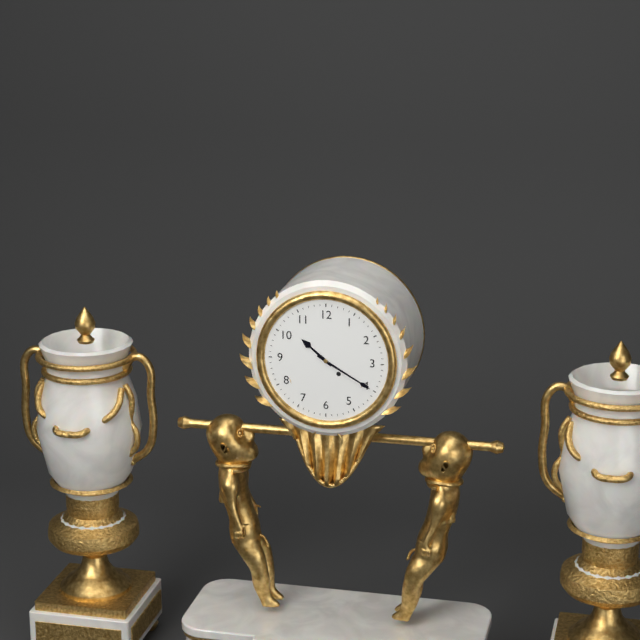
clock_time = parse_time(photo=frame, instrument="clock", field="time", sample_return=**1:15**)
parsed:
**10:20**
